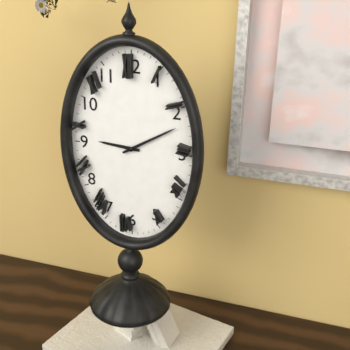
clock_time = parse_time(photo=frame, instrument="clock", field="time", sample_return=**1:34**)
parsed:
**9:10**
